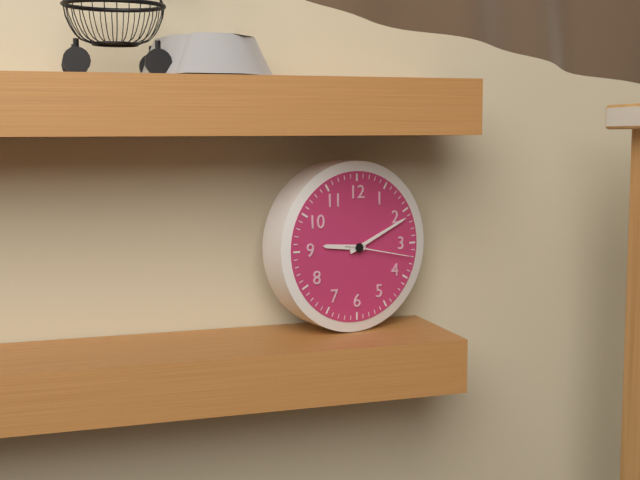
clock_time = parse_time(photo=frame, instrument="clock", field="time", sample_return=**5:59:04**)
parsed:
**9:11:17**
